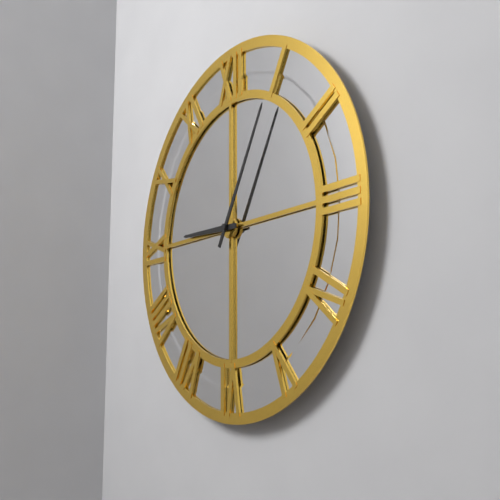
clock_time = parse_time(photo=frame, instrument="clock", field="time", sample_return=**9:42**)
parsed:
**9:05**
